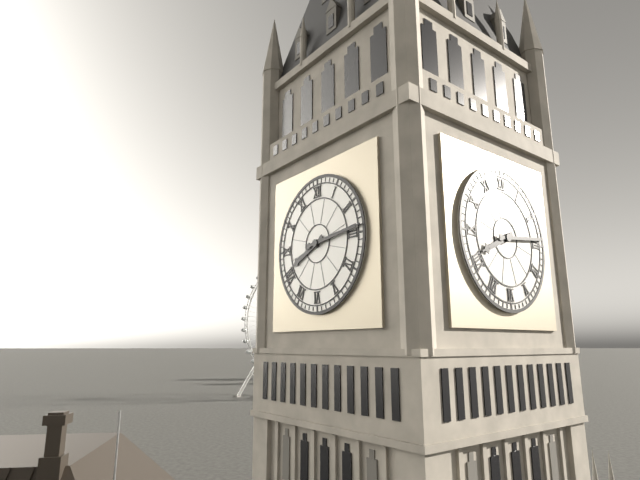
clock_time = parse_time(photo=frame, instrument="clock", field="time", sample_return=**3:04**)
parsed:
**8:14**
